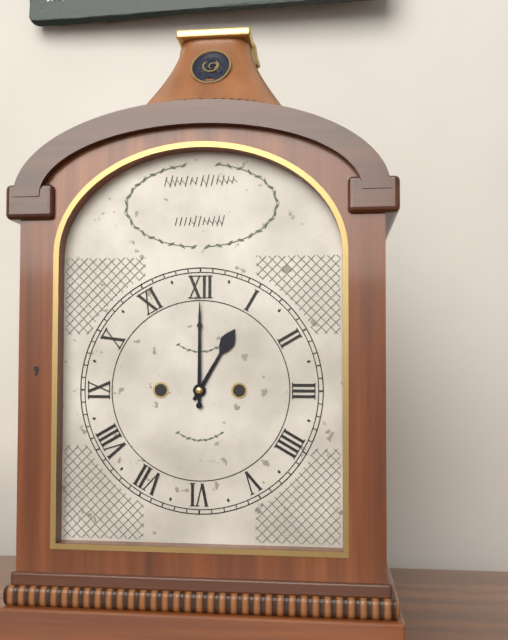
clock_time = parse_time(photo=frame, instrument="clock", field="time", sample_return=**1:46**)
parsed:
**1:00**
